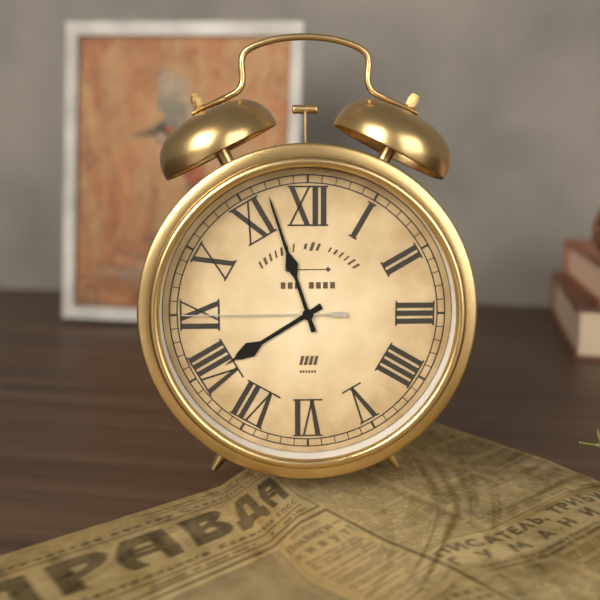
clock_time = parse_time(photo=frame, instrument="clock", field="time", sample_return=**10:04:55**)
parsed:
**7:57:45**
